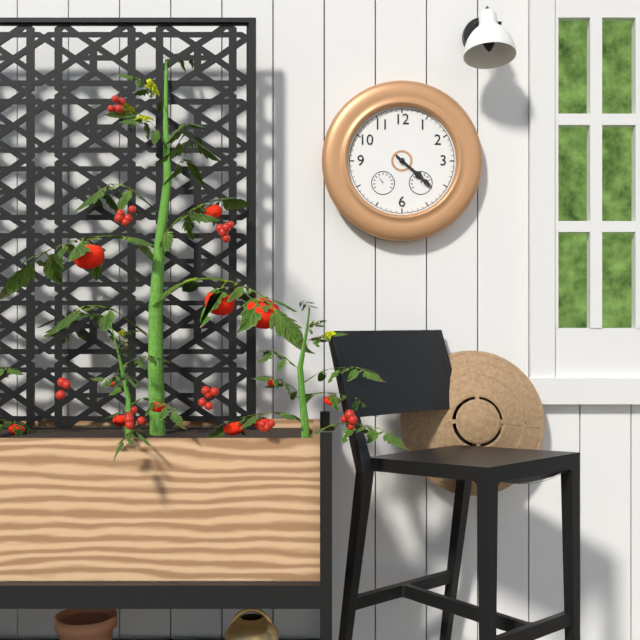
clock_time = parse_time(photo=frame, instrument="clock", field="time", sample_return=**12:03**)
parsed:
**4:22**
